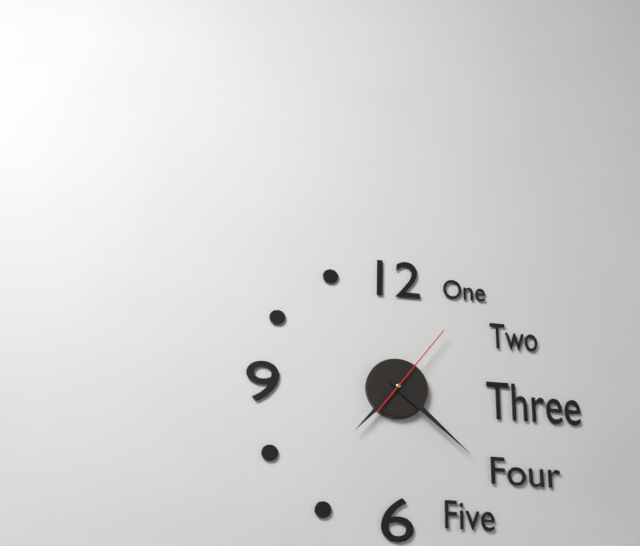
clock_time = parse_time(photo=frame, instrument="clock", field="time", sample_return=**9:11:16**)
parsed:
**7:22:06**
